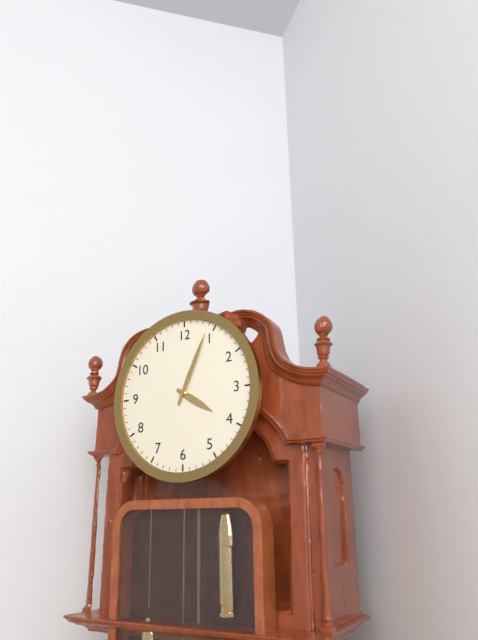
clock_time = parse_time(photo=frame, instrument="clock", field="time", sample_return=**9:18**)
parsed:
**4:04**
